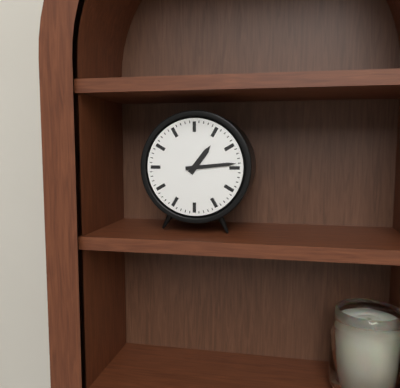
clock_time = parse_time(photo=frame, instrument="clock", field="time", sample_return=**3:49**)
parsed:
**1:14**
